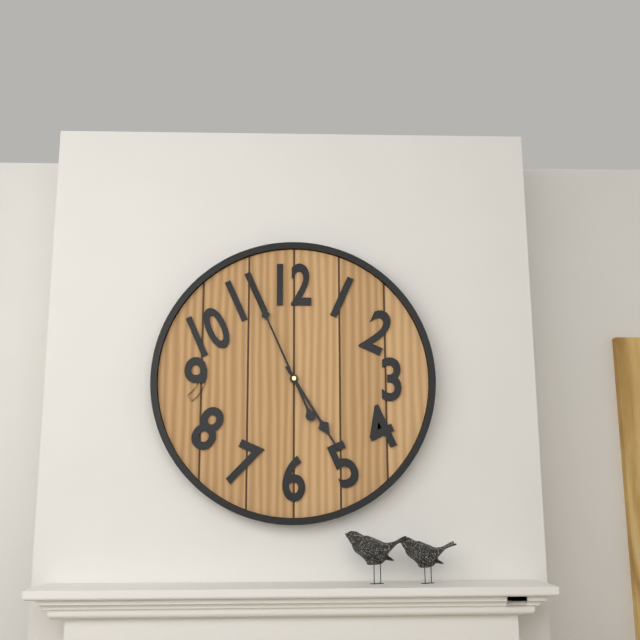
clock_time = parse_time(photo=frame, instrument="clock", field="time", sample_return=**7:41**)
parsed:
**4:56**
